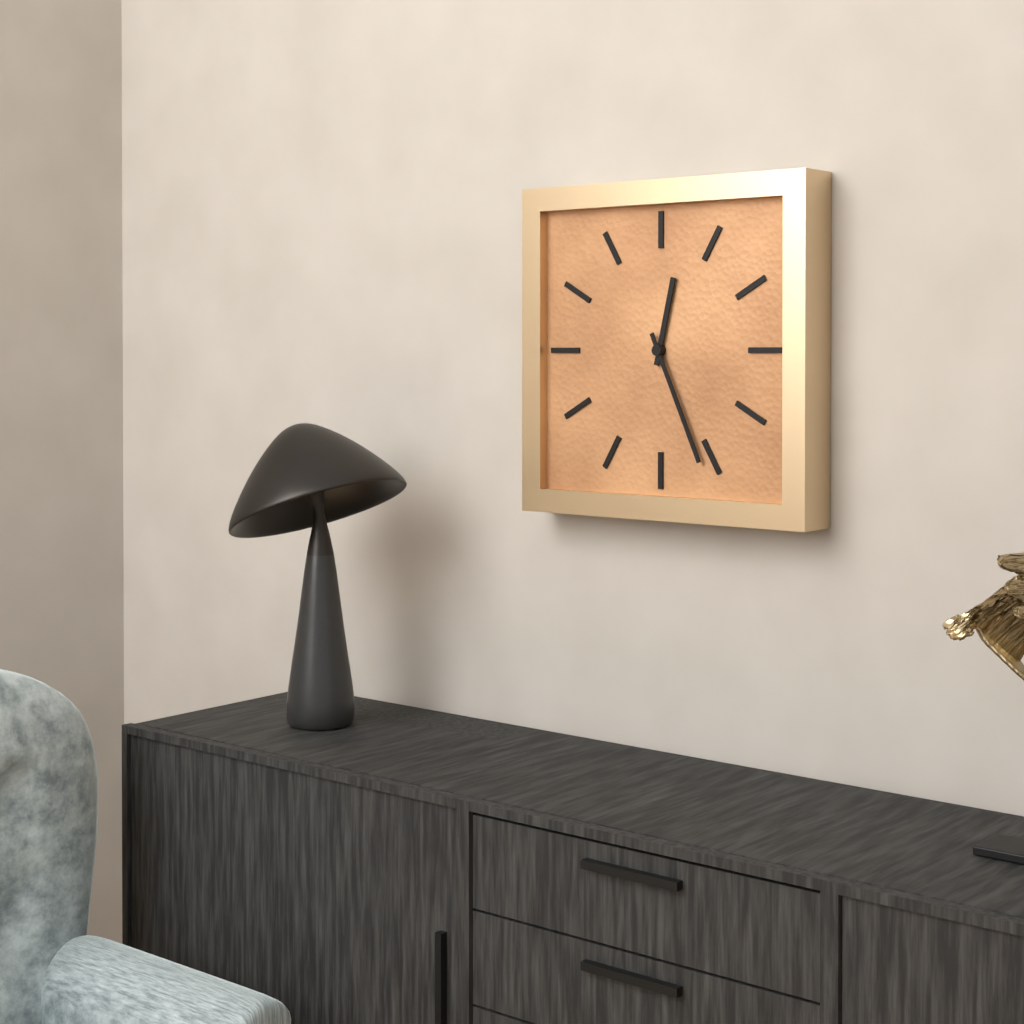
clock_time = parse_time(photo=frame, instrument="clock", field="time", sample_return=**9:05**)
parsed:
**12:26**
